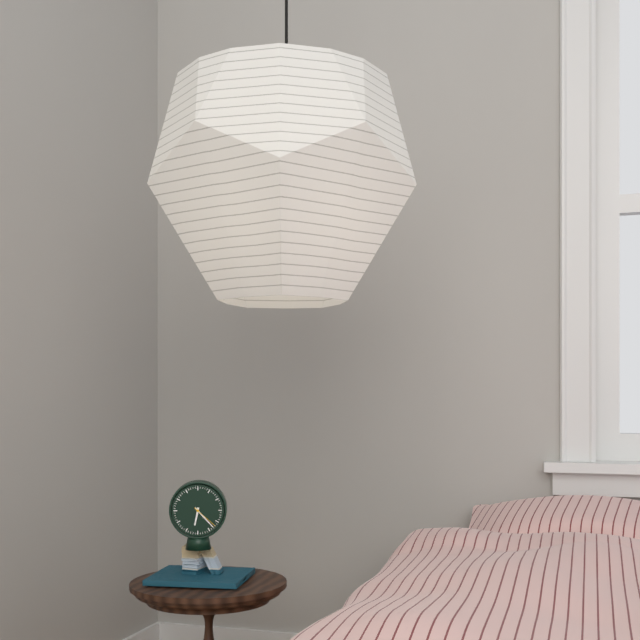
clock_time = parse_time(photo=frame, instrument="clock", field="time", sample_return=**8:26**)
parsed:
**6:23**
